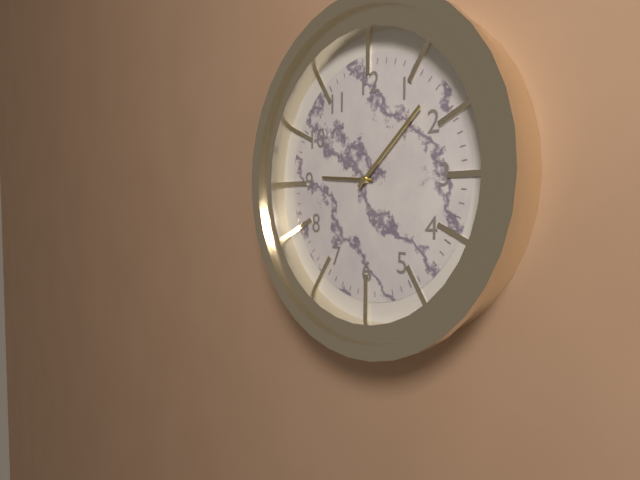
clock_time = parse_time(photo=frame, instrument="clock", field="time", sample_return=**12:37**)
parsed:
**9:08**
